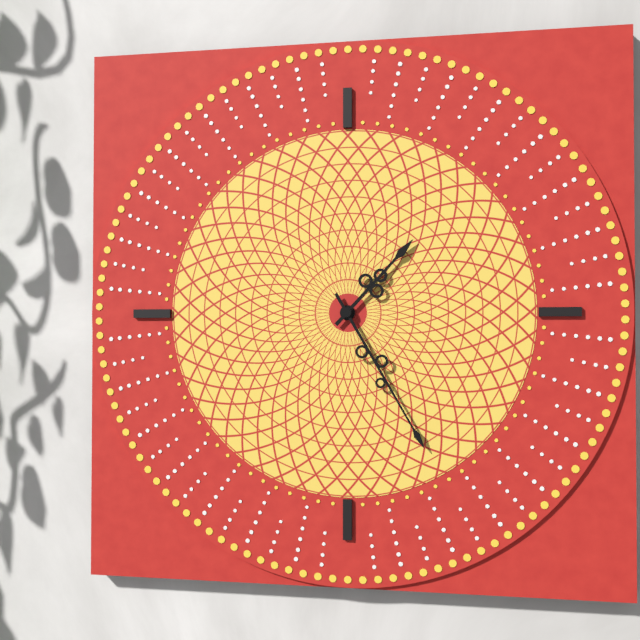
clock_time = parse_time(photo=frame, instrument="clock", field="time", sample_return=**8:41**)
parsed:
**1:25**
